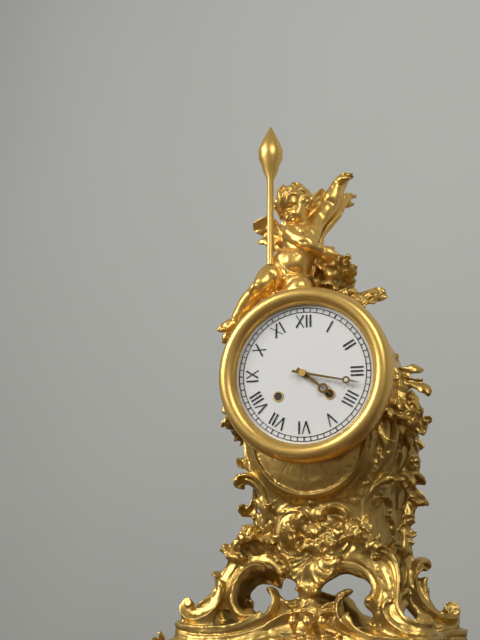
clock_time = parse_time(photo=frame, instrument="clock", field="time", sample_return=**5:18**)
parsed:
**4:17**
